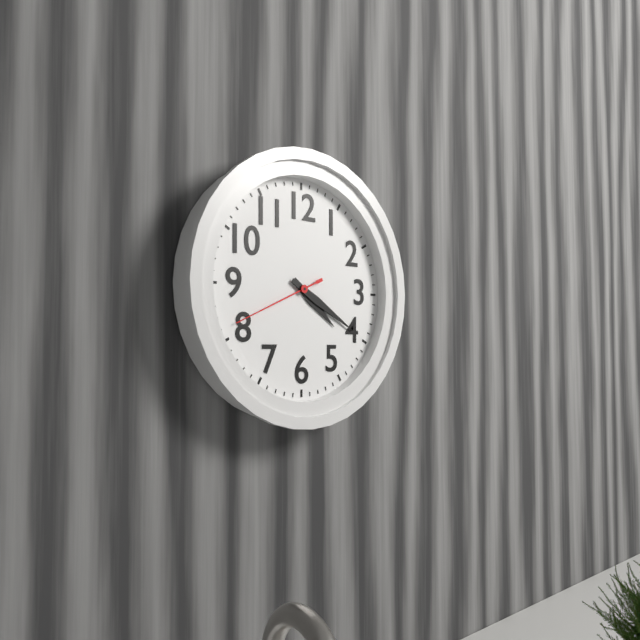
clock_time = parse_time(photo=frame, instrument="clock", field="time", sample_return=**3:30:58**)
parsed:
**4:20:41**
